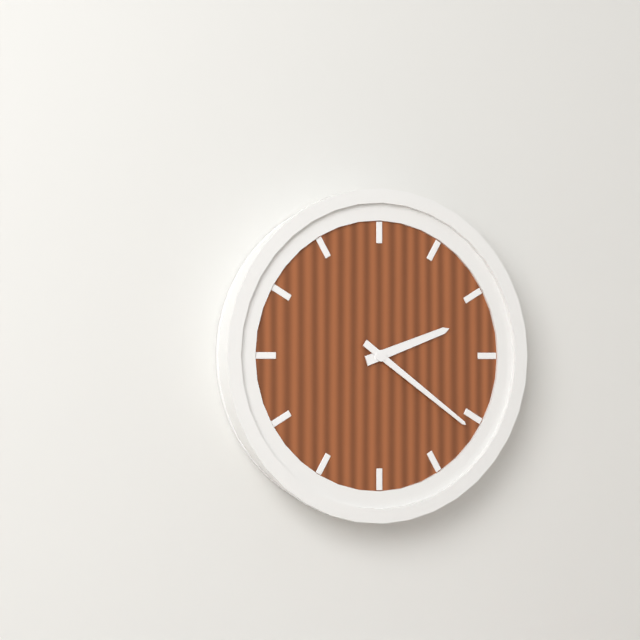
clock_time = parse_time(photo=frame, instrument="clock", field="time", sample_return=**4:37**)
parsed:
**2:21**
